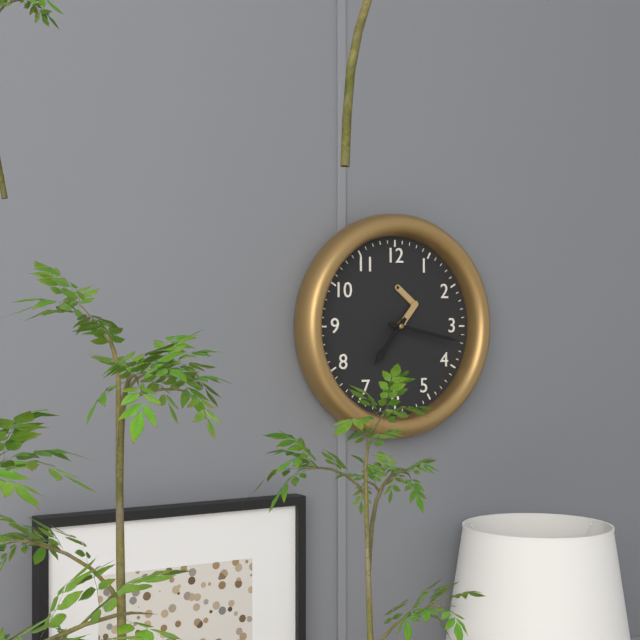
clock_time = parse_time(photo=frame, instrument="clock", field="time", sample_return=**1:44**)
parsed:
**7:17**
